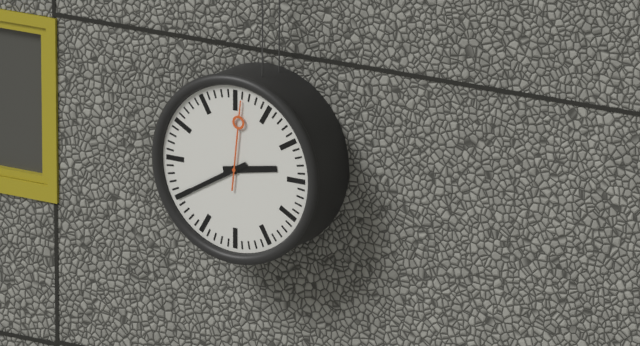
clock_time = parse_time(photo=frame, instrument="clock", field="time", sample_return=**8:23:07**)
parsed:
**2:40:01**
